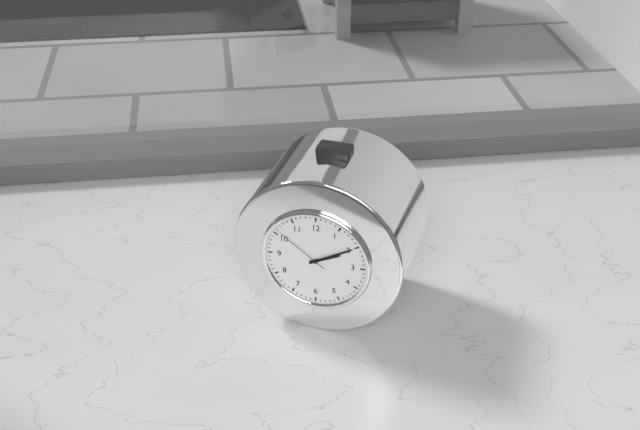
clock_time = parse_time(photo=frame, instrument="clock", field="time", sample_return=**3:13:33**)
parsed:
**2:10:51**
